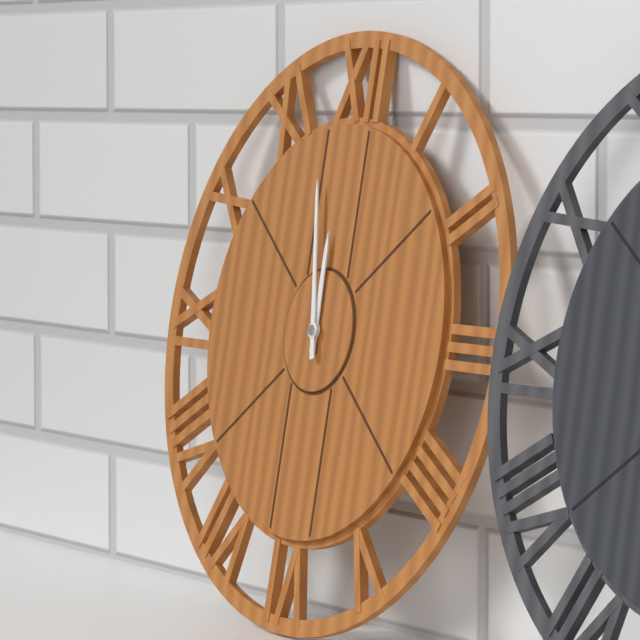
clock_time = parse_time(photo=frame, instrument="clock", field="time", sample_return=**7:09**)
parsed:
**11:58**
